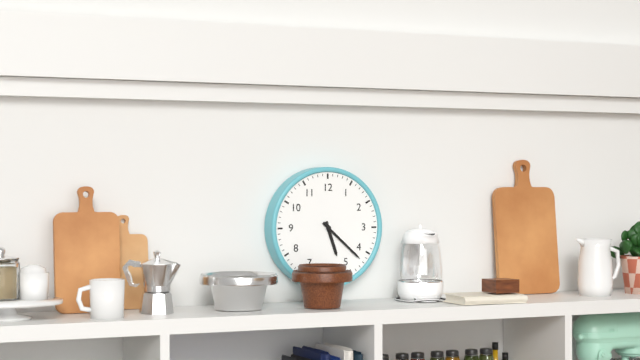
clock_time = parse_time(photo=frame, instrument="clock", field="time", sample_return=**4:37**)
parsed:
**5:22**
